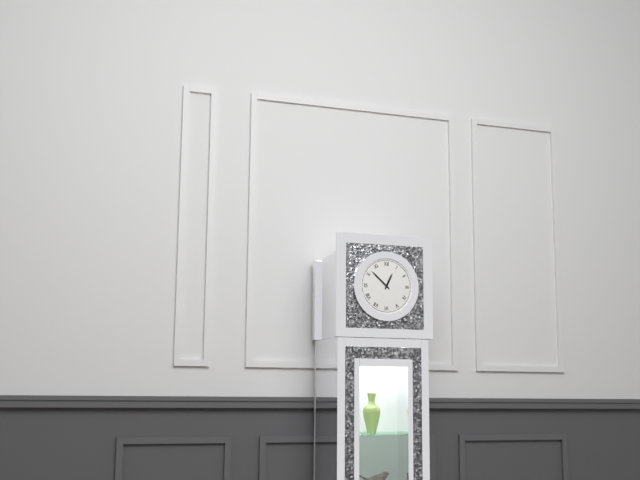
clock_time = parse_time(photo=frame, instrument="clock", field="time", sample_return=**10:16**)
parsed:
**12:52**
